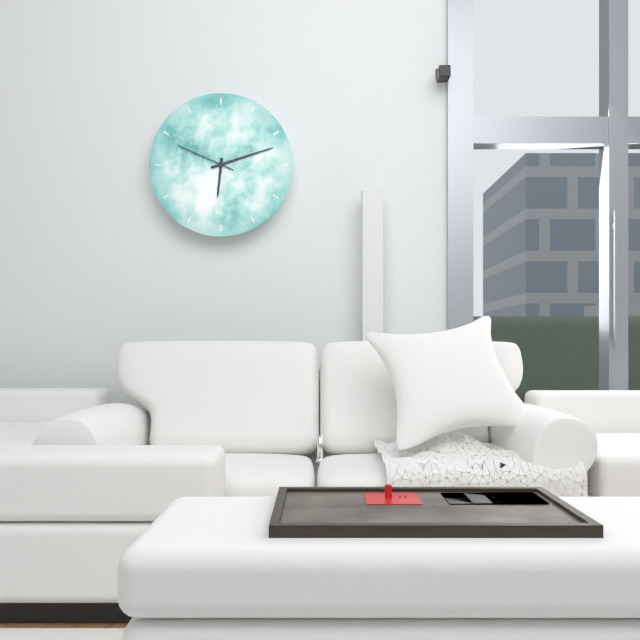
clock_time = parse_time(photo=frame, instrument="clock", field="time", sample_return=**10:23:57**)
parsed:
**6:12:49**
